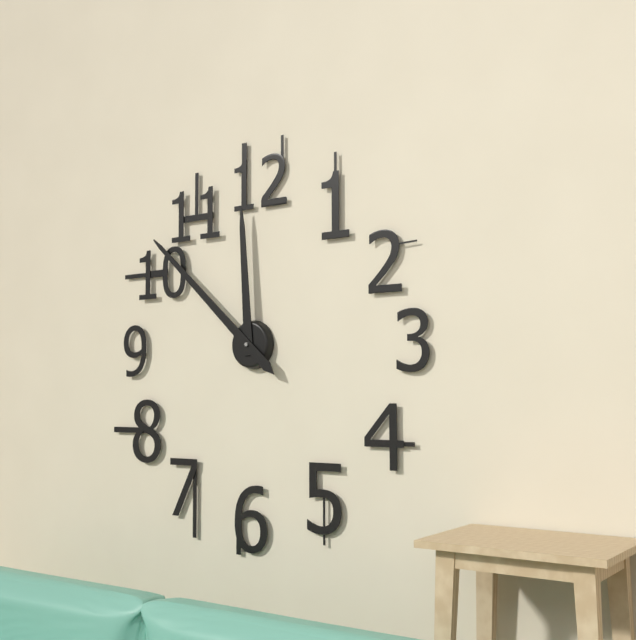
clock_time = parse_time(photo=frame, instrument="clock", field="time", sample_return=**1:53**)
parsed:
**11:52**
